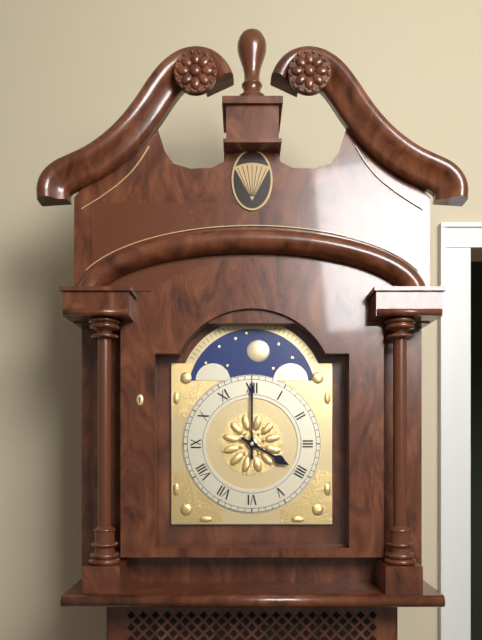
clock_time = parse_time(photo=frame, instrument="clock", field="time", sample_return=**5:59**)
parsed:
**4:00**
